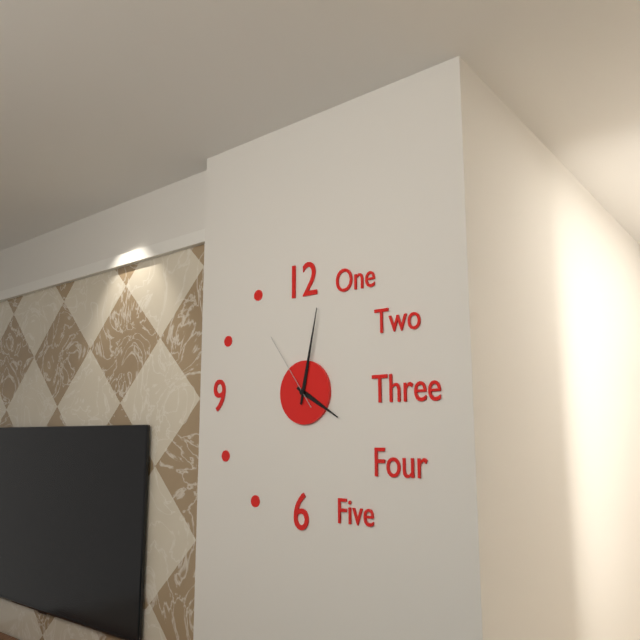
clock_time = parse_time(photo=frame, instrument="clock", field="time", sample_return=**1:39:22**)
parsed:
**4:02:54**
